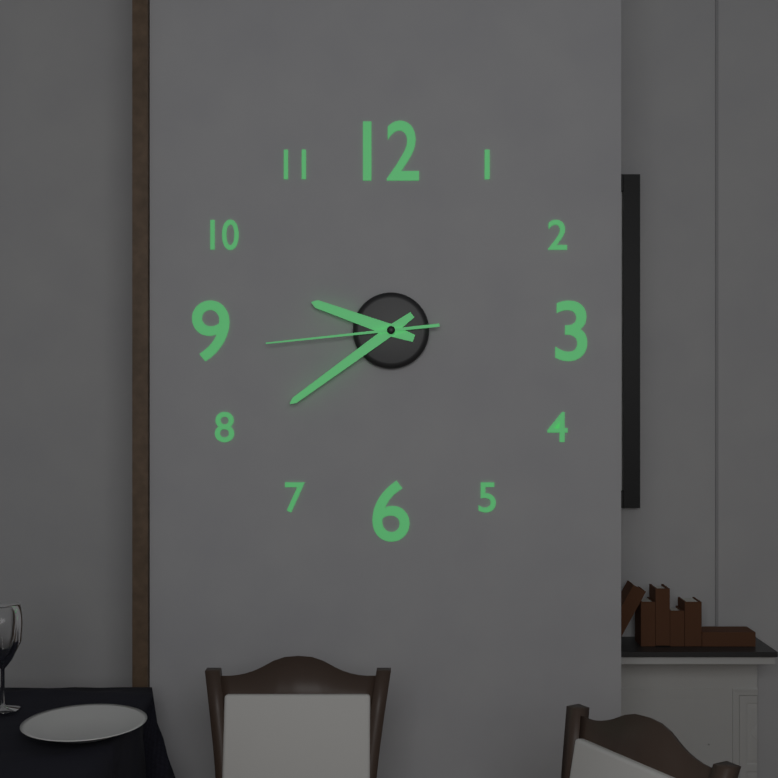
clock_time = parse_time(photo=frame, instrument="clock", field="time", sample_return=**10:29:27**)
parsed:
**9:39:44**
